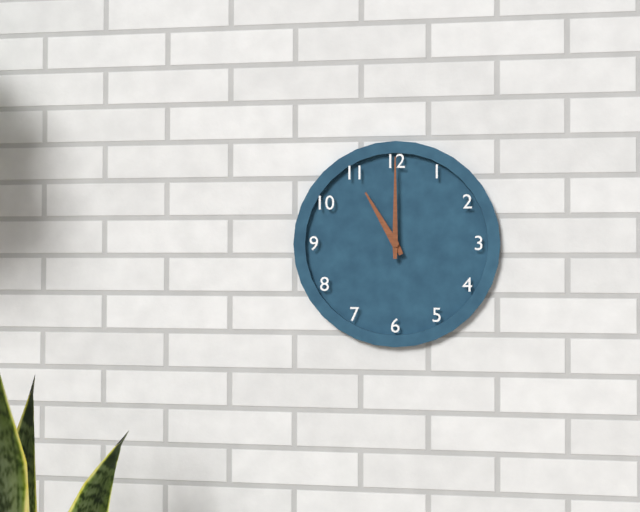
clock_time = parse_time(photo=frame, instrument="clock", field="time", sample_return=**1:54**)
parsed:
**11:00**
